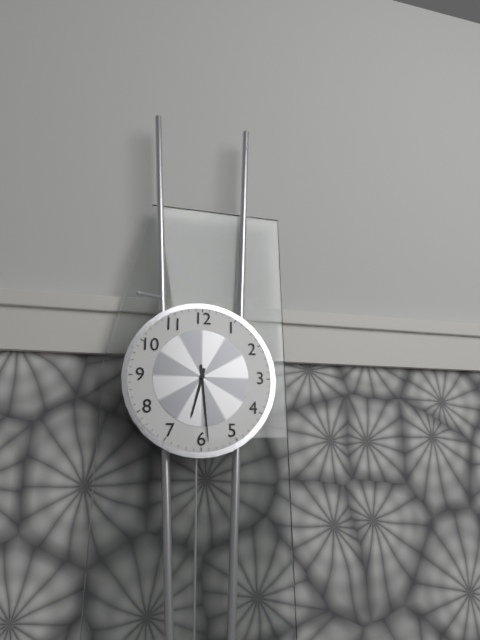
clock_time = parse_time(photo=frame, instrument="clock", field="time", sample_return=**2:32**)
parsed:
**6:29**
